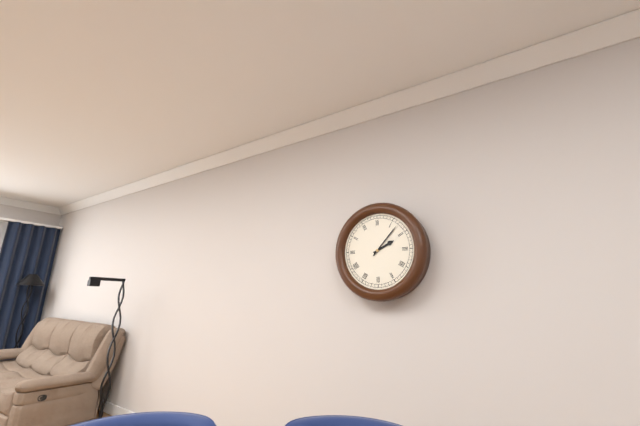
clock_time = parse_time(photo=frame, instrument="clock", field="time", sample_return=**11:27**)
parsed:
**2:07**
